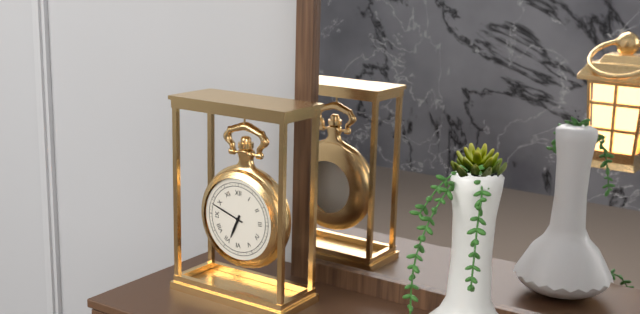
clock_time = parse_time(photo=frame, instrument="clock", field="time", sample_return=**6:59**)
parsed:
**6:48**
